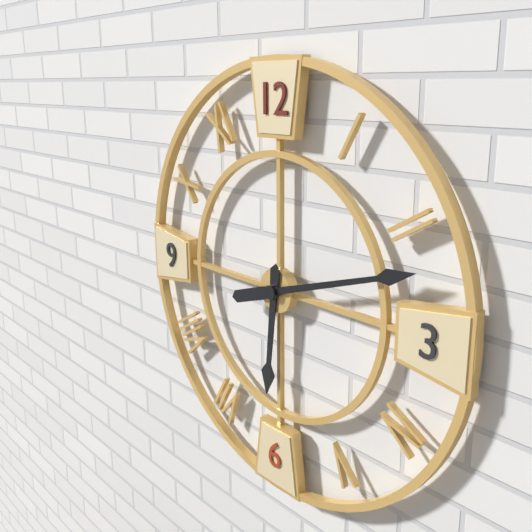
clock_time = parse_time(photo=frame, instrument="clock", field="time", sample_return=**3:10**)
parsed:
**6:12**
